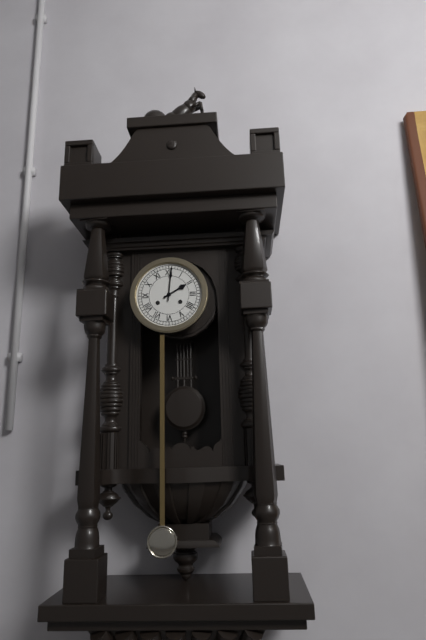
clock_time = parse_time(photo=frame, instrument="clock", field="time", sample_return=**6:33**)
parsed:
**2:01**
